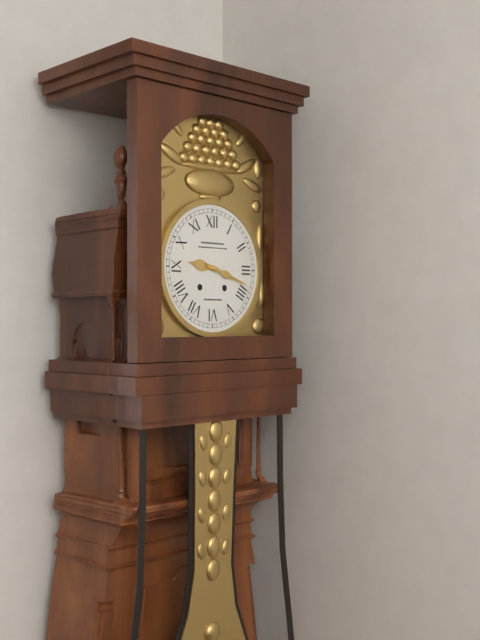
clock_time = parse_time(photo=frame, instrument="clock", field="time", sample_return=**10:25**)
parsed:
**9:18**
